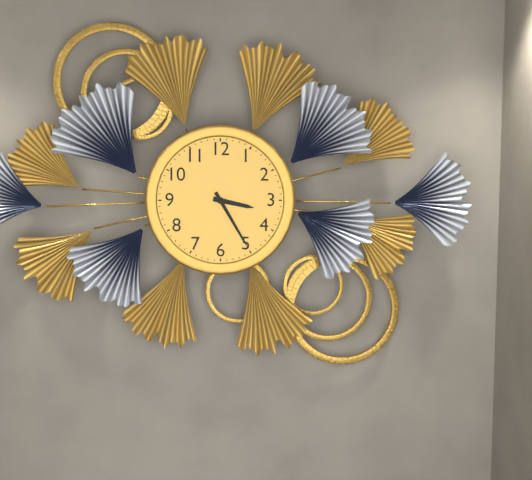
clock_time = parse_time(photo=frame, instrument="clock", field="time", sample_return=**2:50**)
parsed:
**3:25**
